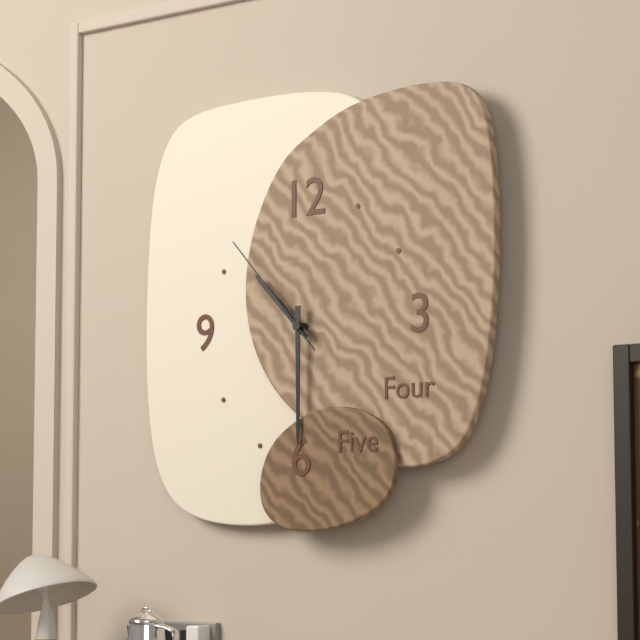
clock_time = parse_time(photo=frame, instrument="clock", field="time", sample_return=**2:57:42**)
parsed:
**10:30:53**
